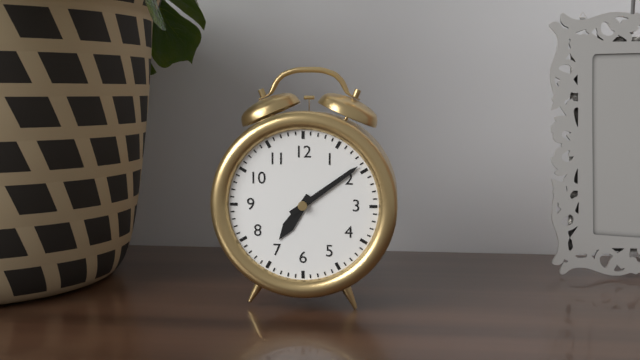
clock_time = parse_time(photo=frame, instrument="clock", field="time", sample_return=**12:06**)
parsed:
**7:09**
